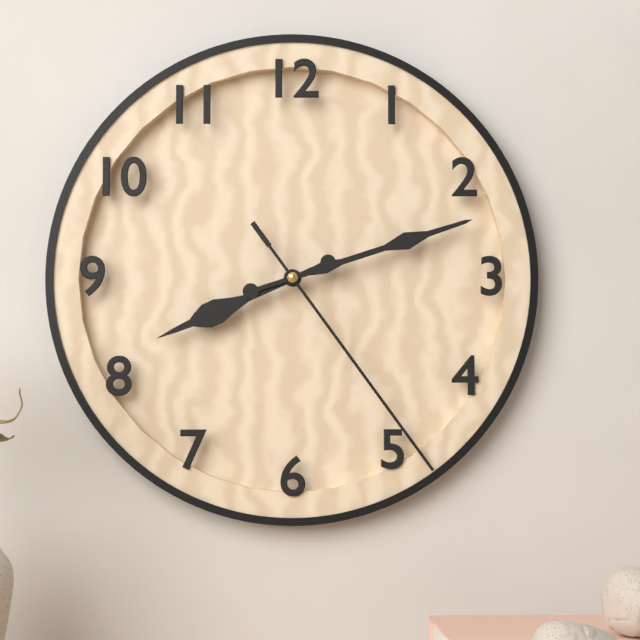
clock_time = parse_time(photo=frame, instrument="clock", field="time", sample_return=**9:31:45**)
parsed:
**8:12:24**
